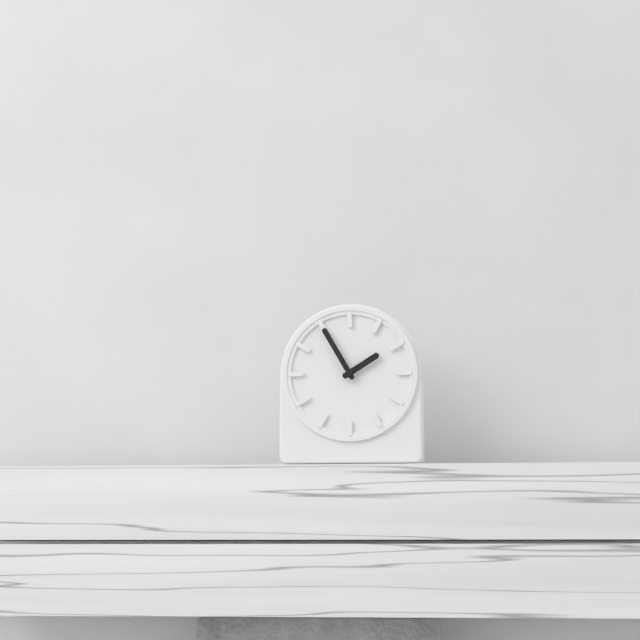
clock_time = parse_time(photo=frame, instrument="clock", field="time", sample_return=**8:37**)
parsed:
**1:55**
